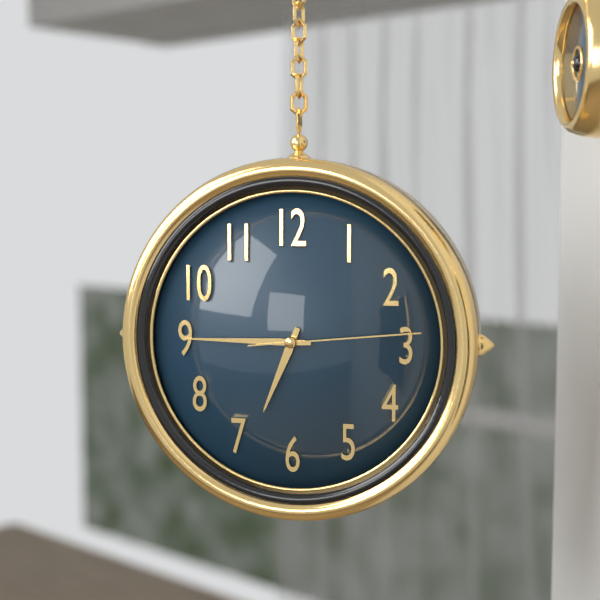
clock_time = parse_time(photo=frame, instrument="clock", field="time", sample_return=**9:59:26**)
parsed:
**6:45:14**
